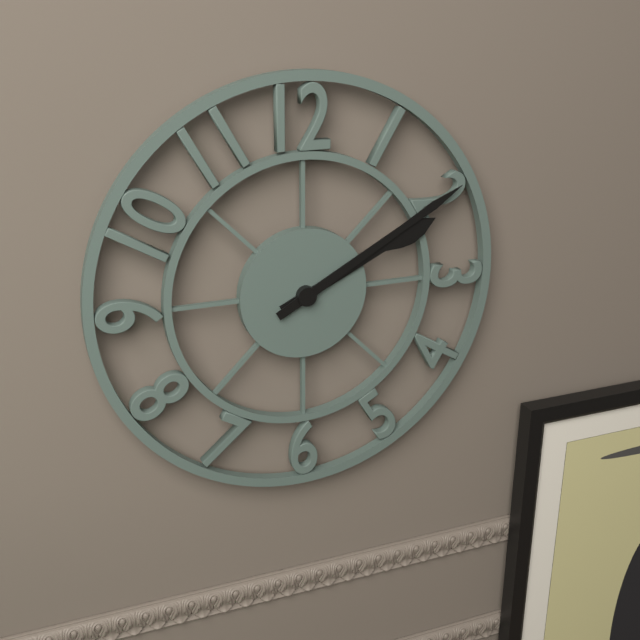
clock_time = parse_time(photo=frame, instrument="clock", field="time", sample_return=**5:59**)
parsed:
**2:10**
